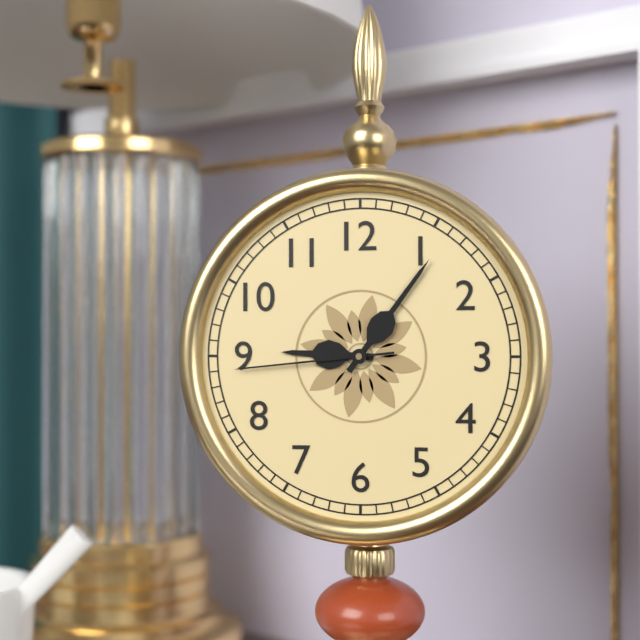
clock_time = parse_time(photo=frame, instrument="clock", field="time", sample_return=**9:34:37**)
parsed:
**9:06:44**
